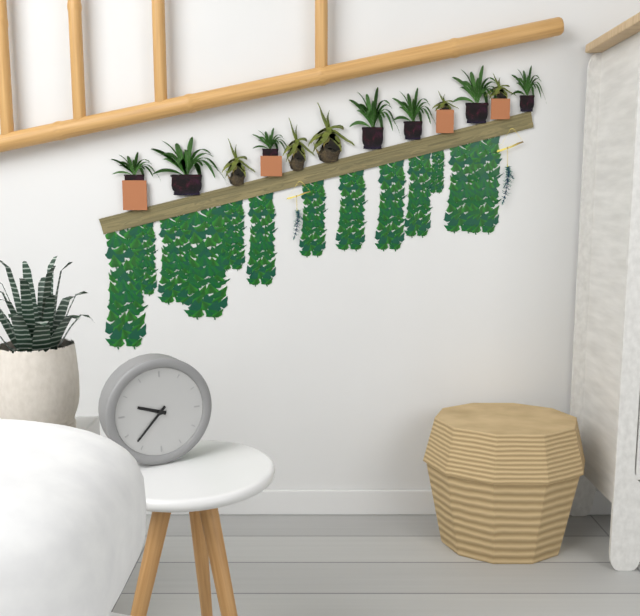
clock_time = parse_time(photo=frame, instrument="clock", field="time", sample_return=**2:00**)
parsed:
**9:37**
